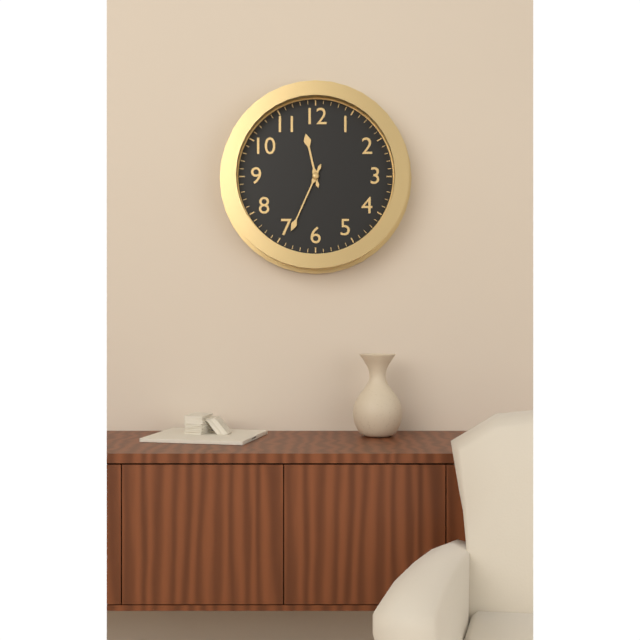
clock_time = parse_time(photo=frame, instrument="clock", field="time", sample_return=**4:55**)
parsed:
**11:34**
